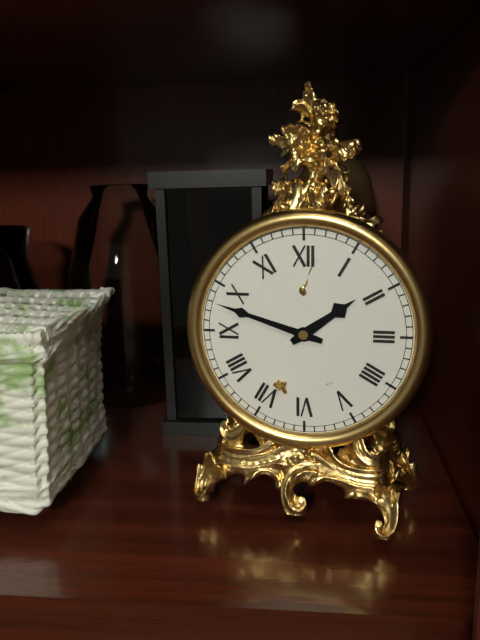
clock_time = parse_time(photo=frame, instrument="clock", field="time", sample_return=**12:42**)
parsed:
**1:48**
